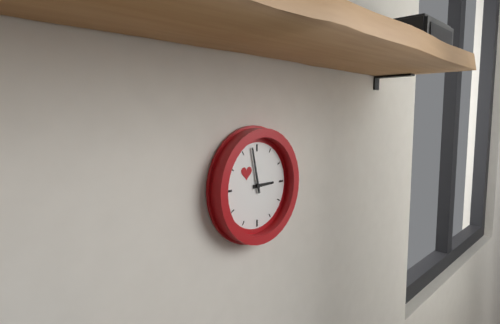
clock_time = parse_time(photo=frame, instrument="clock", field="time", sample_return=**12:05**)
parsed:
**2:58**
